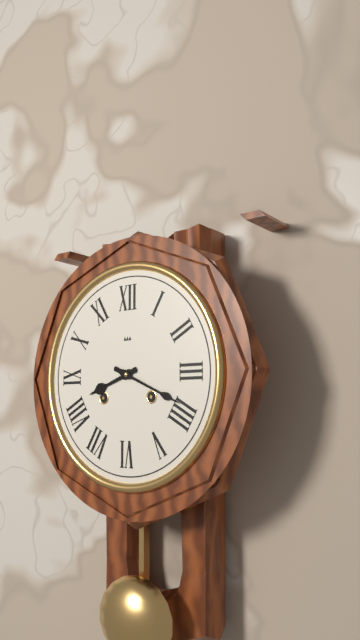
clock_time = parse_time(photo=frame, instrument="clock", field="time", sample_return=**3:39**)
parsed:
**8:19**
